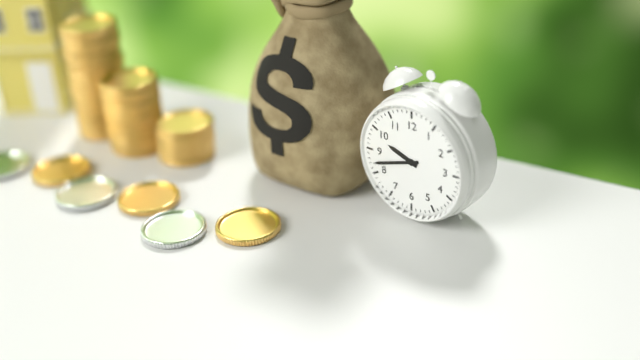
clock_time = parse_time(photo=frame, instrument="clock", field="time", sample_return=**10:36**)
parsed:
**9:42**
